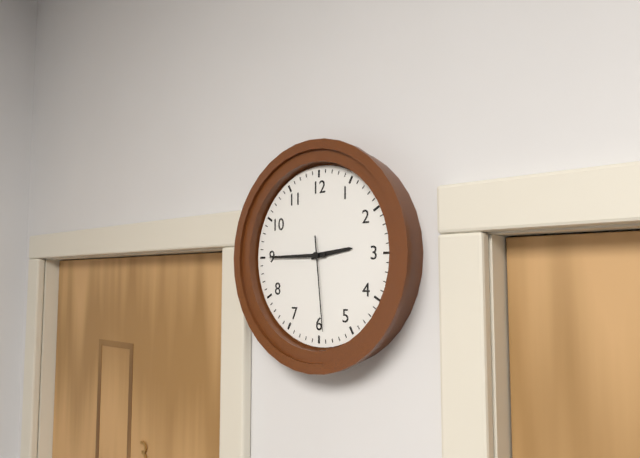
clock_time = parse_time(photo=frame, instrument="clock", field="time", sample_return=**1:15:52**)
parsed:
**2:45:29**
